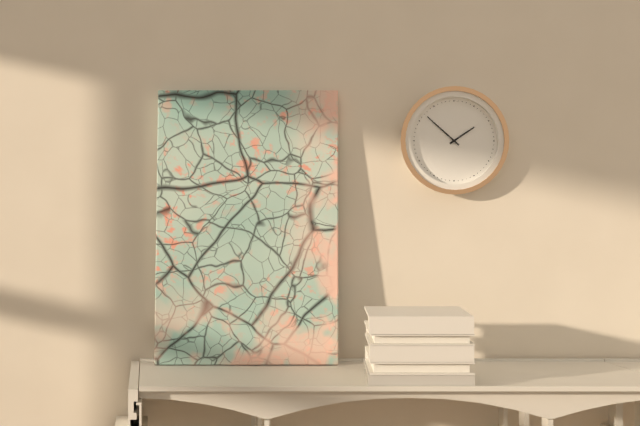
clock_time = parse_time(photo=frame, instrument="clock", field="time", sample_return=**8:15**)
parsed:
**1:52**
